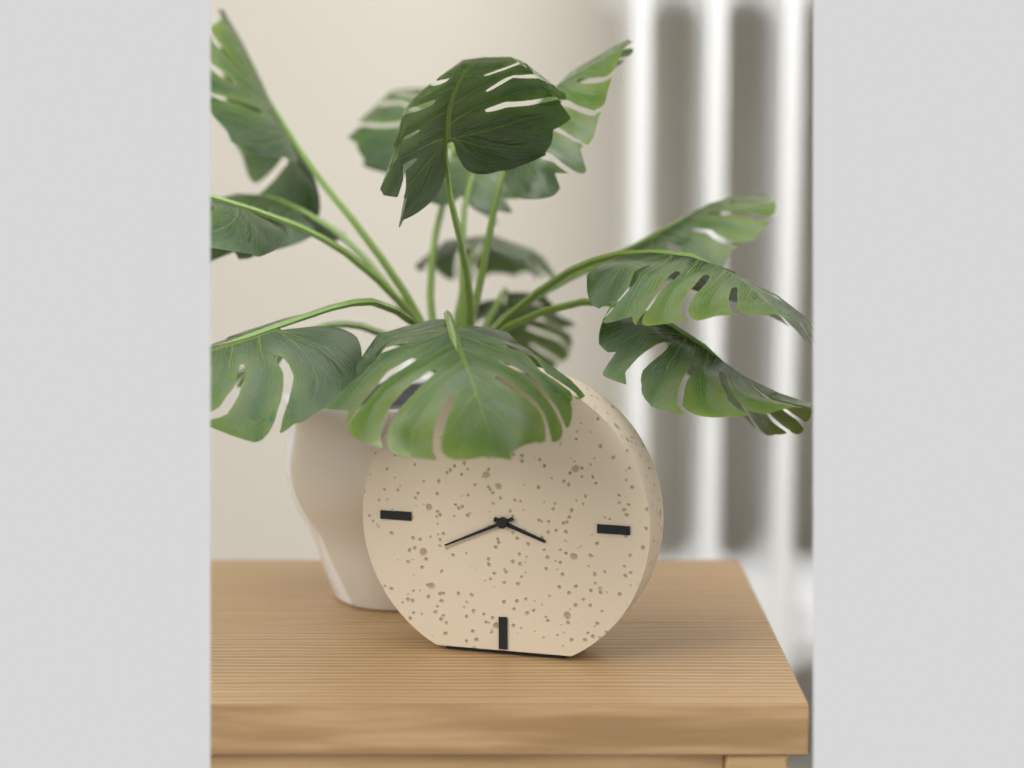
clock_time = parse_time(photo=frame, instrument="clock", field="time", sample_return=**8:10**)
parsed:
**3:41**
